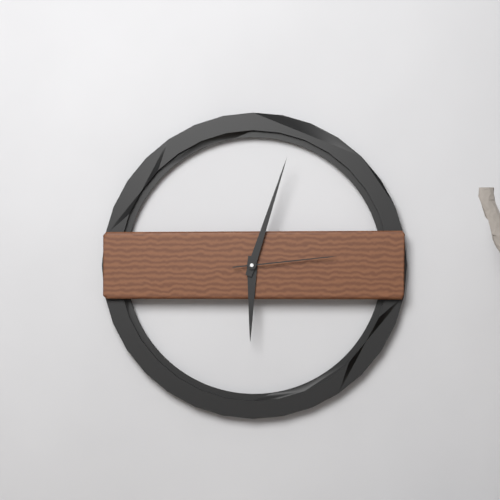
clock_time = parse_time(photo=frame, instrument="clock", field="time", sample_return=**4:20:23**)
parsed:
**6:03:14**
